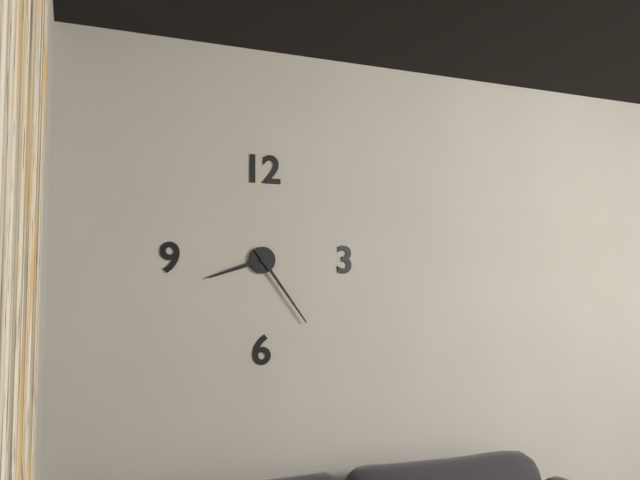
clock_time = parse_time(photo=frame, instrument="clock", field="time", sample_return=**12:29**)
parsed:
**8:24**
